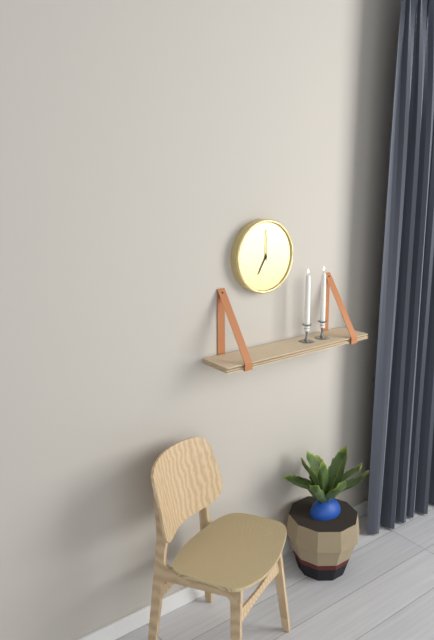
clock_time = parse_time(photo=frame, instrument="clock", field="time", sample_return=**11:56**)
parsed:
**7:00**
